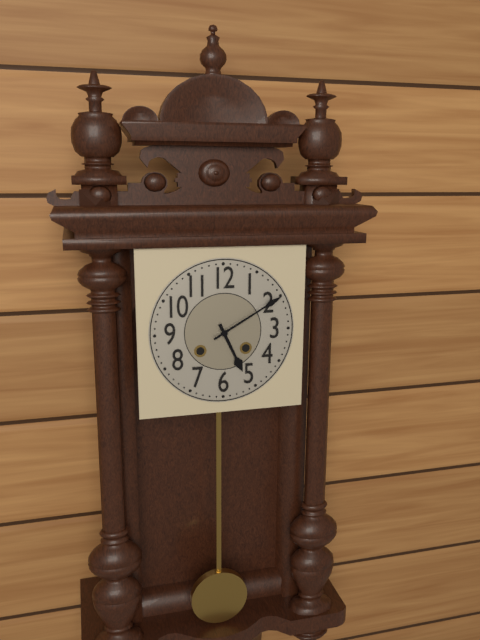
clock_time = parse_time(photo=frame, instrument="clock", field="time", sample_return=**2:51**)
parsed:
**5:10**
